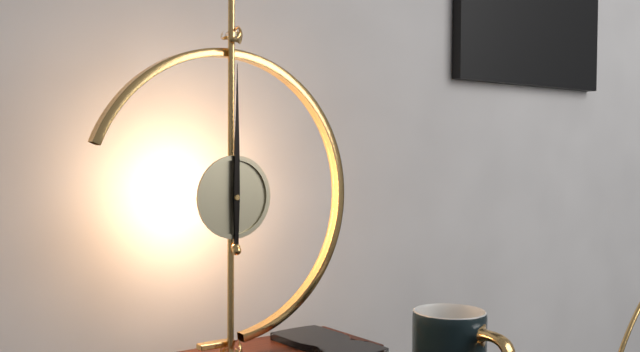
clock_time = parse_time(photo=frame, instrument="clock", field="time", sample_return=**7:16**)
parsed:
**12:00**
